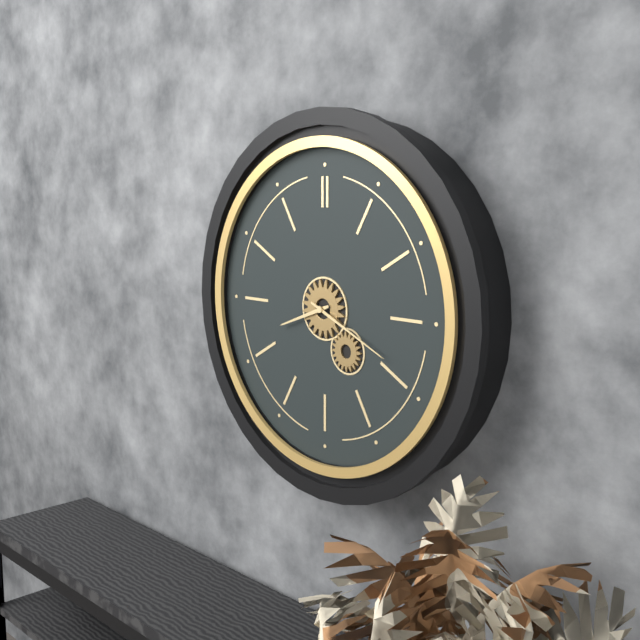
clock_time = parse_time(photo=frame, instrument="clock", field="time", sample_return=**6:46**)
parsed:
**8:19**
